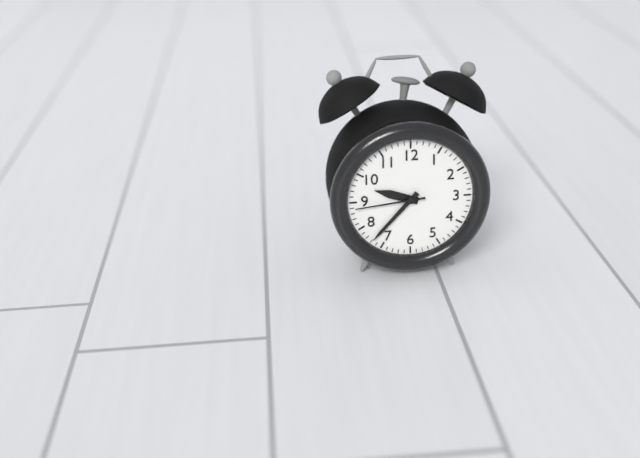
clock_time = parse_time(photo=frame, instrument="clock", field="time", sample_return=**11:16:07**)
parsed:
**9:37:44**
